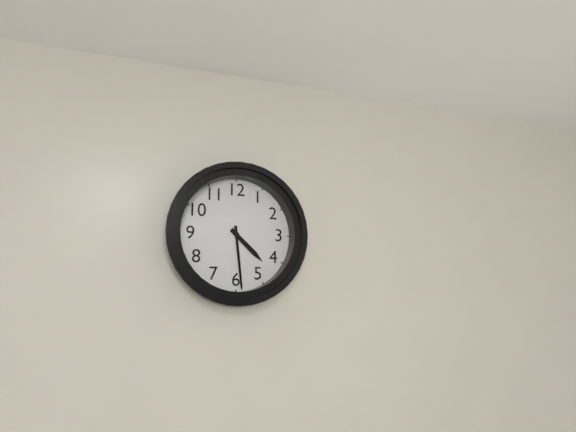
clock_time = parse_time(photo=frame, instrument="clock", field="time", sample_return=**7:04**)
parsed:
**4:29**
